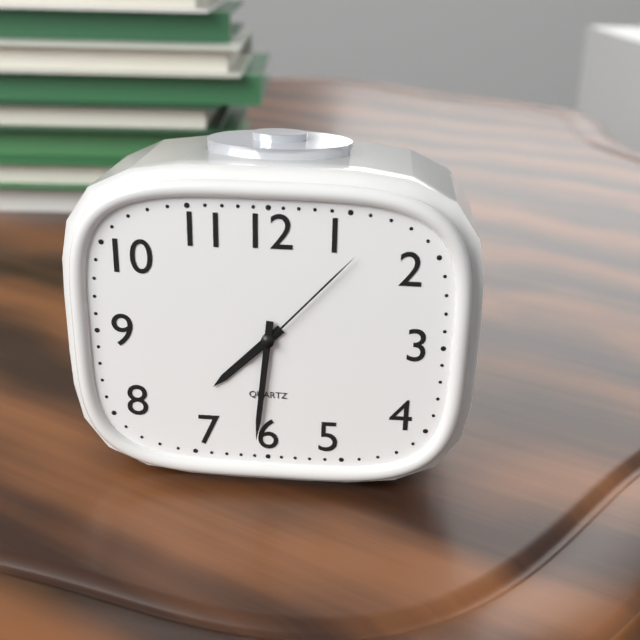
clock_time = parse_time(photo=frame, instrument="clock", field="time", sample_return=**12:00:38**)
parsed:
**7:31:07**
